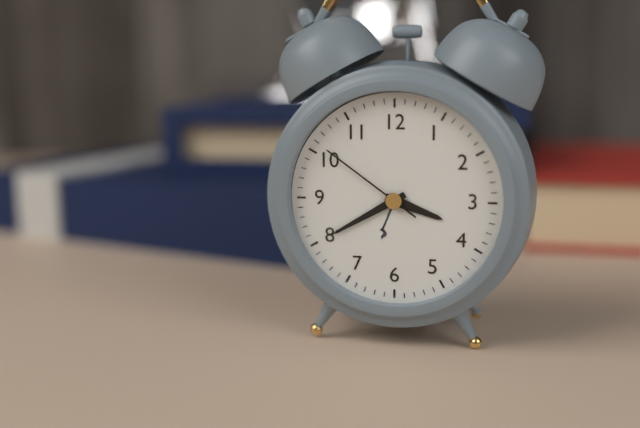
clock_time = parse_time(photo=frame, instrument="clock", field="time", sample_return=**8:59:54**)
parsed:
**3:40:51**
